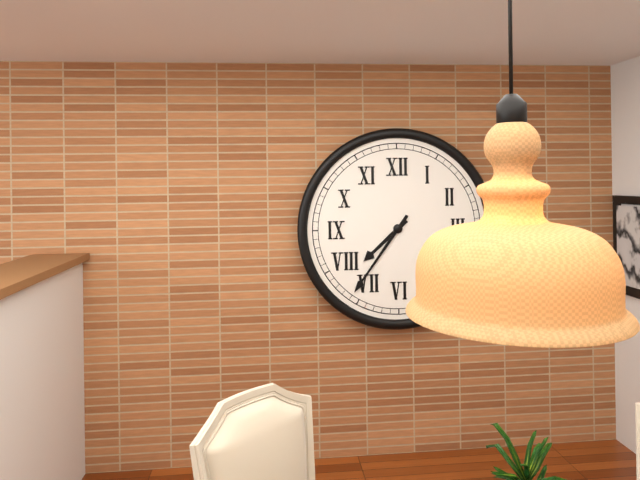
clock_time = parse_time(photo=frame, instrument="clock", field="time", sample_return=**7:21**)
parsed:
**7:36**
